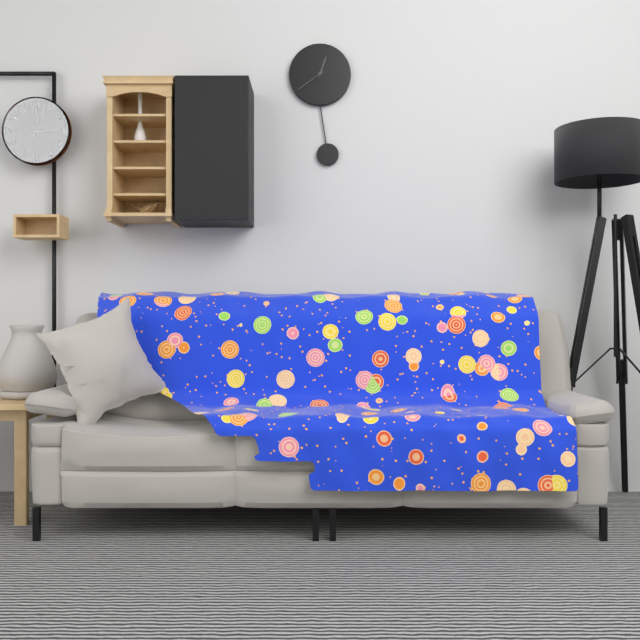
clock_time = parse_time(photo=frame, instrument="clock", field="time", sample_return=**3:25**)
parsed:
**12:39**
